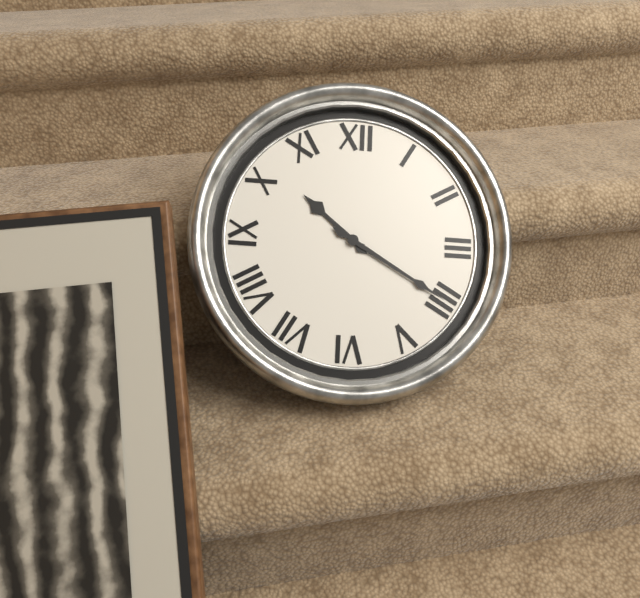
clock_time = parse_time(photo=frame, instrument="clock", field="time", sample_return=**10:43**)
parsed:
**10:20**
